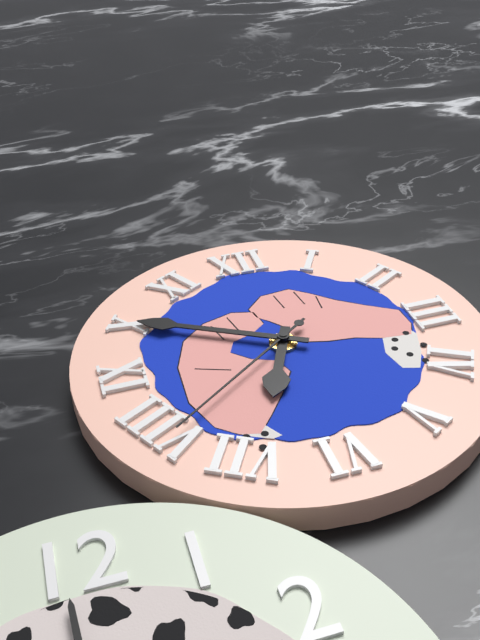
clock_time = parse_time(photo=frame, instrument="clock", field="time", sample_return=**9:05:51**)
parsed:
**6:50:39**
